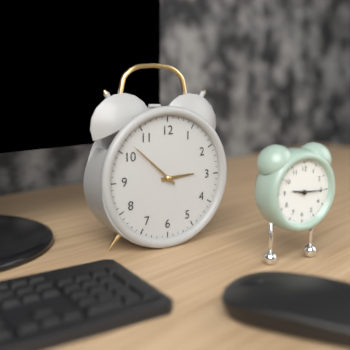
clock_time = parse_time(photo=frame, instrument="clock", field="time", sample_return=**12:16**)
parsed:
**2:52**
